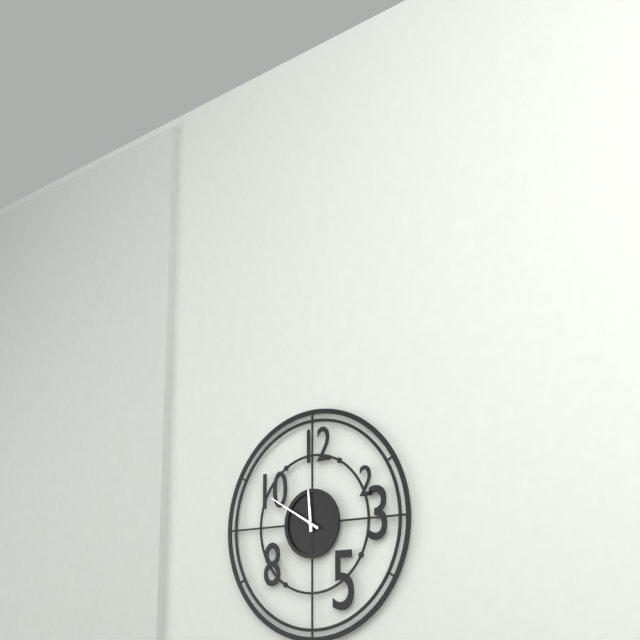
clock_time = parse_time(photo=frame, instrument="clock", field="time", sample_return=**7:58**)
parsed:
**11:50**
